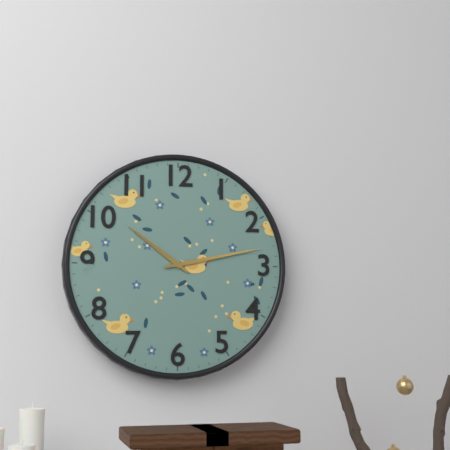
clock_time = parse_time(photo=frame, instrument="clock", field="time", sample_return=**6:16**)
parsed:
**10:13**
